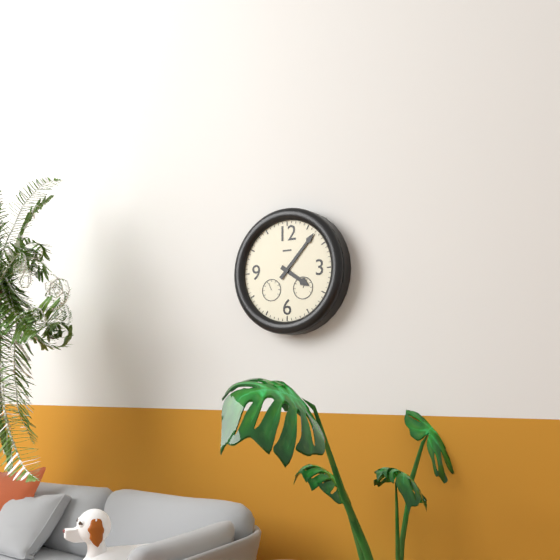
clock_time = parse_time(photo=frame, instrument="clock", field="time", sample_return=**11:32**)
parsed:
**4:07**
